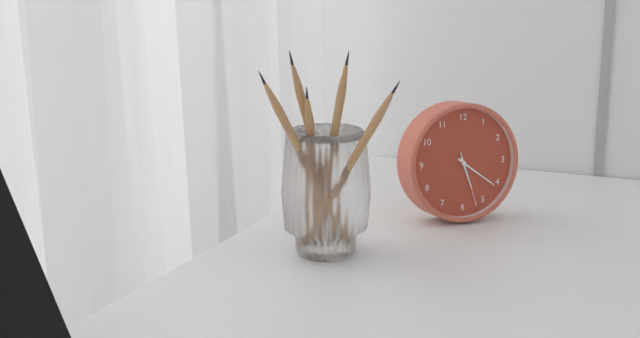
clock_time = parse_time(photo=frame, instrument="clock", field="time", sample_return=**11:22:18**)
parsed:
**5:21:27**
